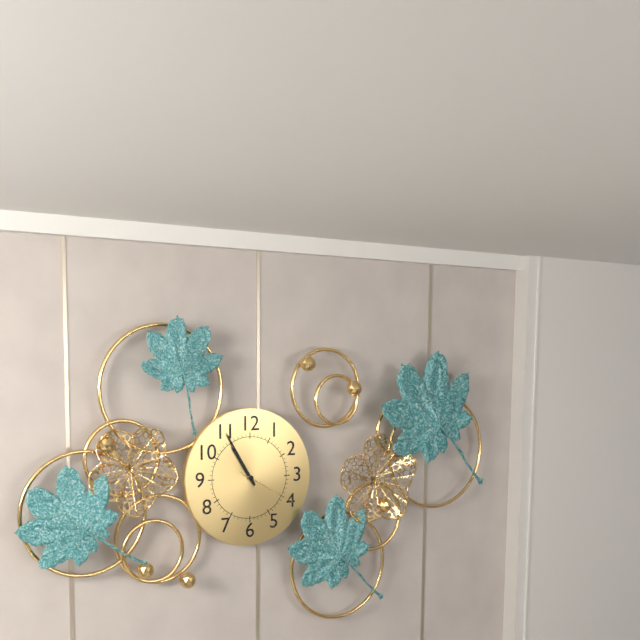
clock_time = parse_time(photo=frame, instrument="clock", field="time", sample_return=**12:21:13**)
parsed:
**10:55:20**
